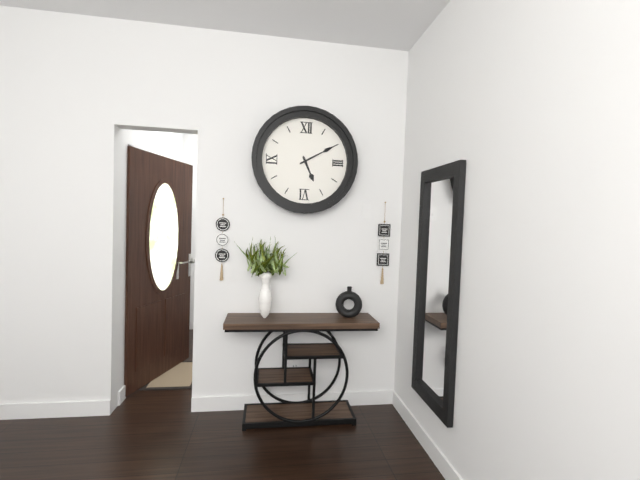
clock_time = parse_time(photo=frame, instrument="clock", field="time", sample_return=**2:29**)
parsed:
**5:10**
